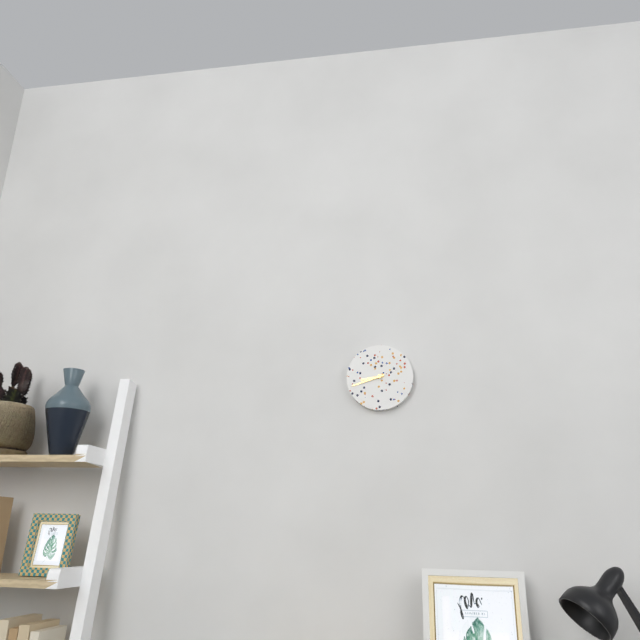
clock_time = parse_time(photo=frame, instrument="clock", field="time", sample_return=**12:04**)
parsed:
**8:42**
